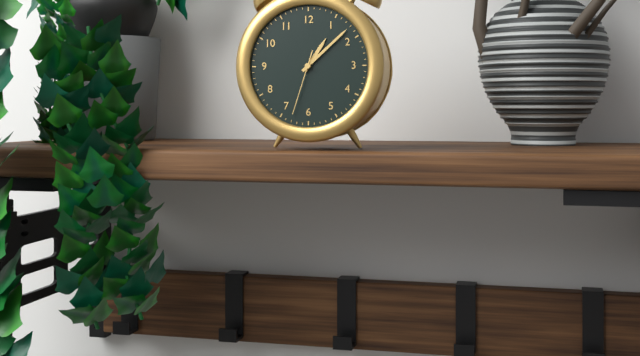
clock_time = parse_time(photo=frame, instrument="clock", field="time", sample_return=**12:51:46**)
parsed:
**1:08:33**
